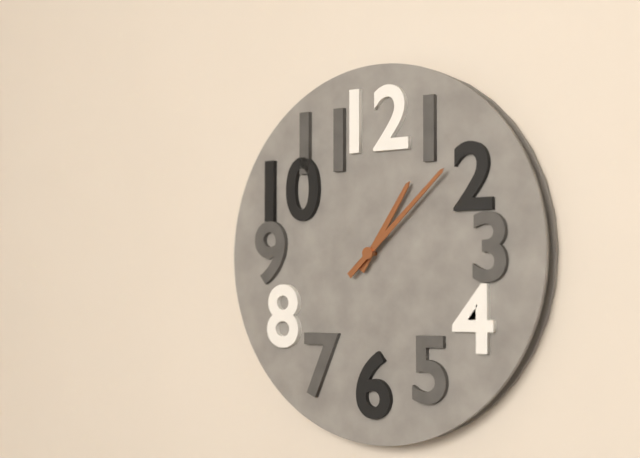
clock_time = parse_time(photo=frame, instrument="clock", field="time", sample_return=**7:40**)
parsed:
**1:08**
